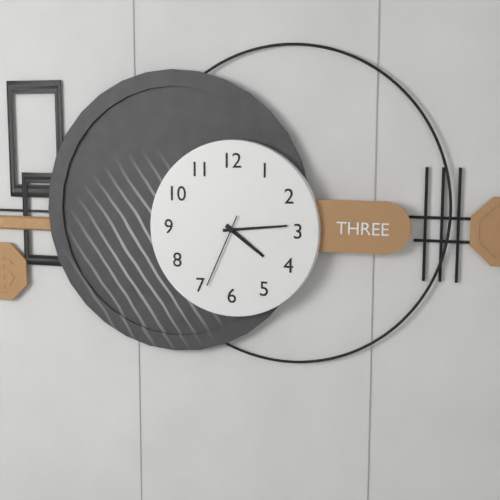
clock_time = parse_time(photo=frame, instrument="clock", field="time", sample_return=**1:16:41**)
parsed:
**4:14:34**
